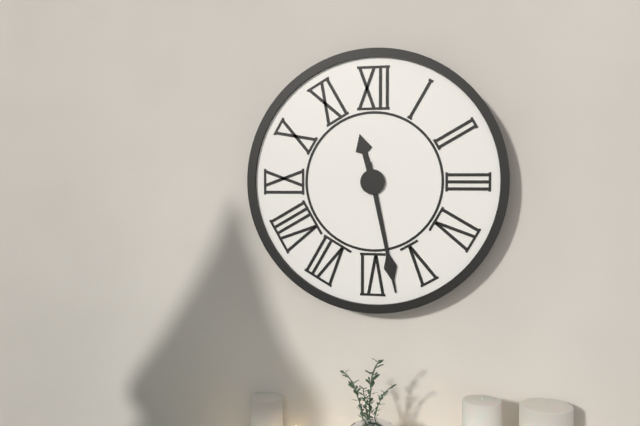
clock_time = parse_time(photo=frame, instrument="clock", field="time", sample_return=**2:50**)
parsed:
**11:28**
